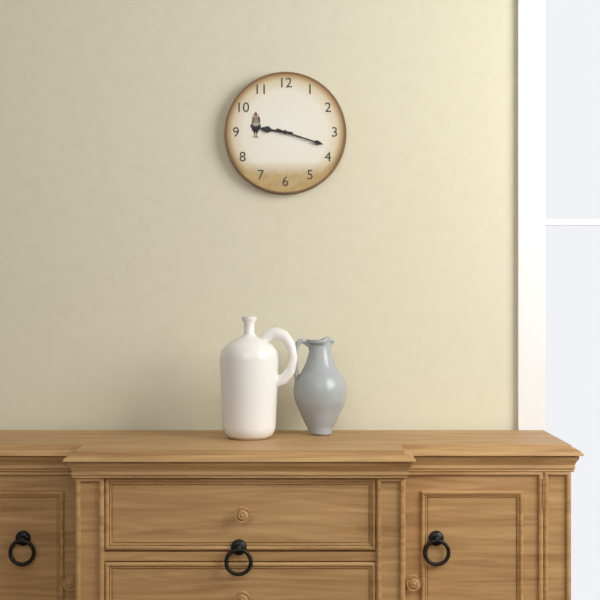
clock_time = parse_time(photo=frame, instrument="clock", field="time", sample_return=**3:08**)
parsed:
**9:18**
